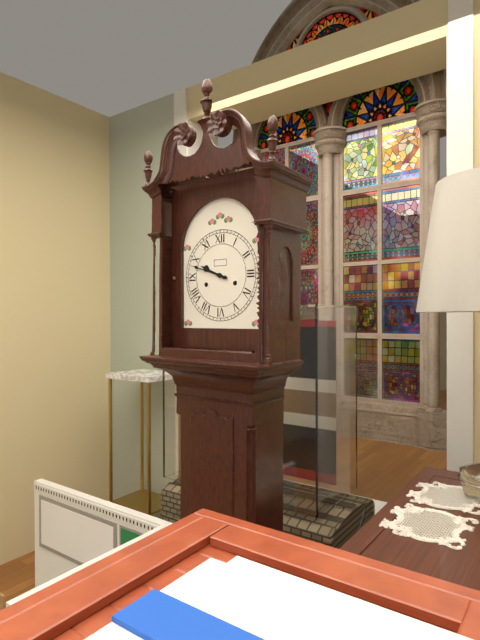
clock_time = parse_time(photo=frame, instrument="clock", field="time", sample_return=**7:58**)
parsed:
**9:48**
